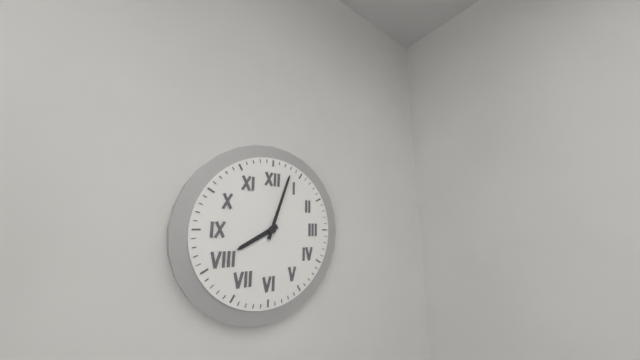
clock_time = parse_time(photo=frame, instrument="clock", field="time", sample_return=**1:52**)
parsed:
**8:03**
